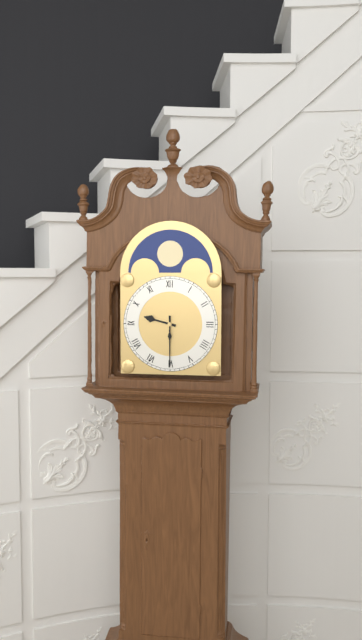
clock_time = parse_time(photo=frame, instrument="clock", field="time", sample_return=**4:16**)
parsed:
**9:30**
